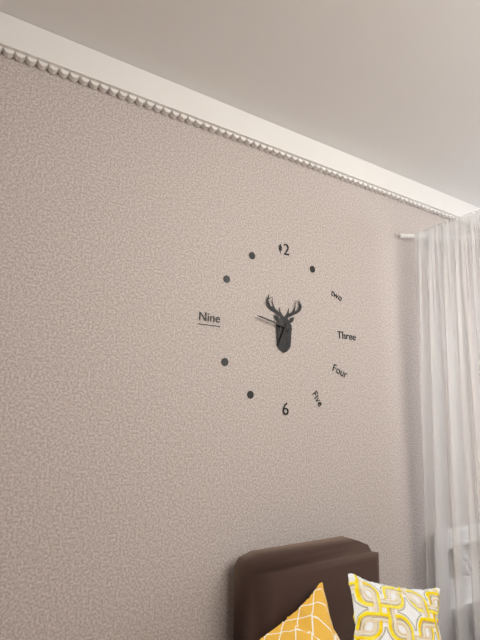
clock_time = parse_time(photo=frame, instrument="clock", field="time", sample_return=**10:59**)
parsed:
**6:47**
